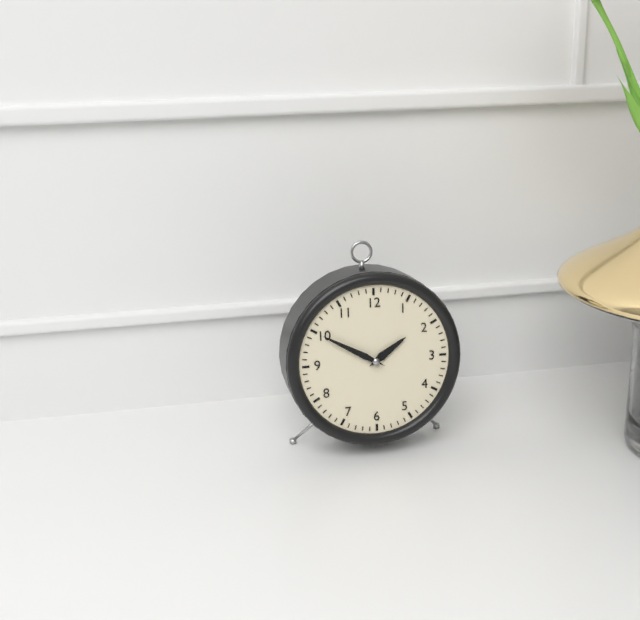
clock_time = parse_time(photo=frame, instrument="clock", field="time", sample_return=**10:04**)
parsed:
**1:50**
